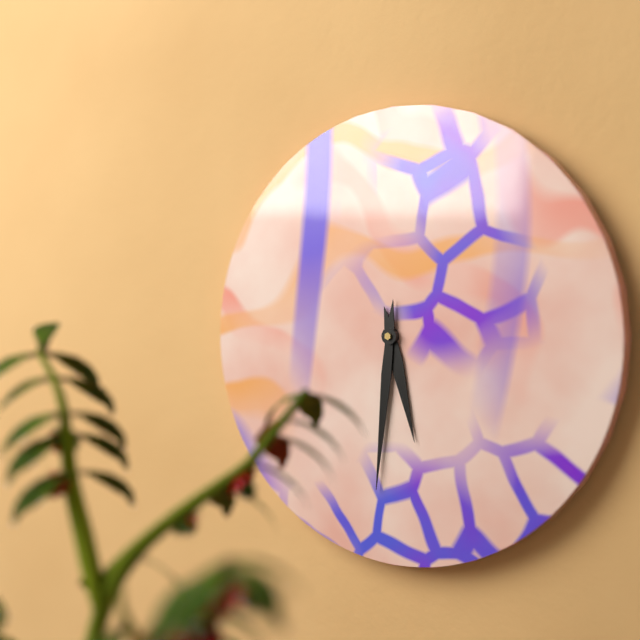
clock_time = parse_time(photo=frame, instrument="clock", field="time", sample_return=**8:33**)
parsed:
**5:31**
